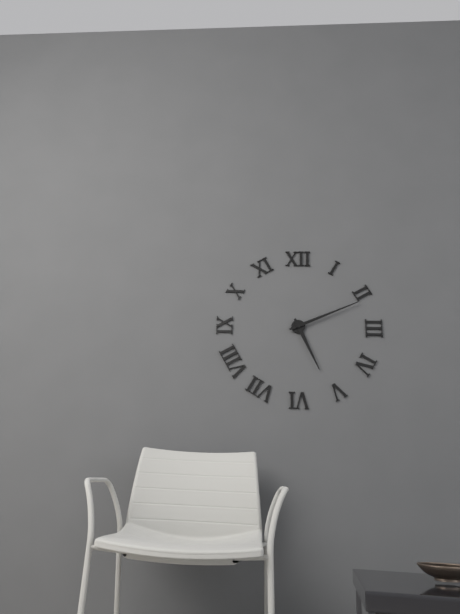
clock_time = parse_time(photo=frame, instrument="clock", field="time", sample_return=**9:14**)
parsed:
**5:11**
